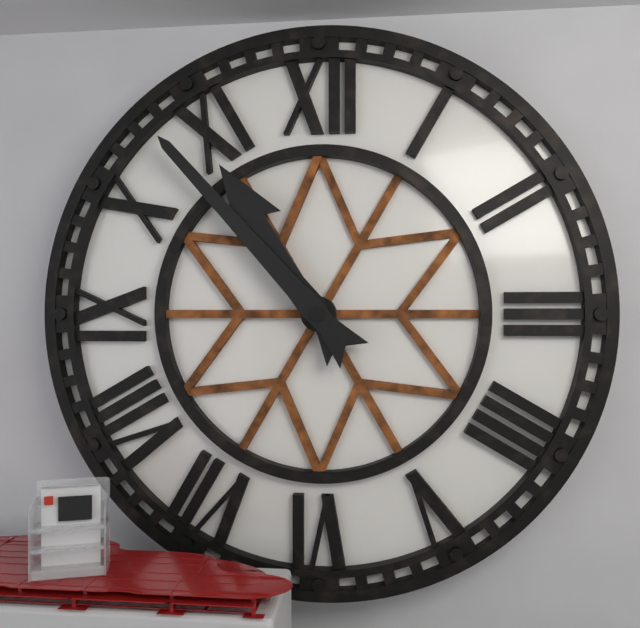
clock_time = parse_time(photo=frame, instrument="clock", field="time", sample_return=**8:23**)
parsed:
**10:53**
